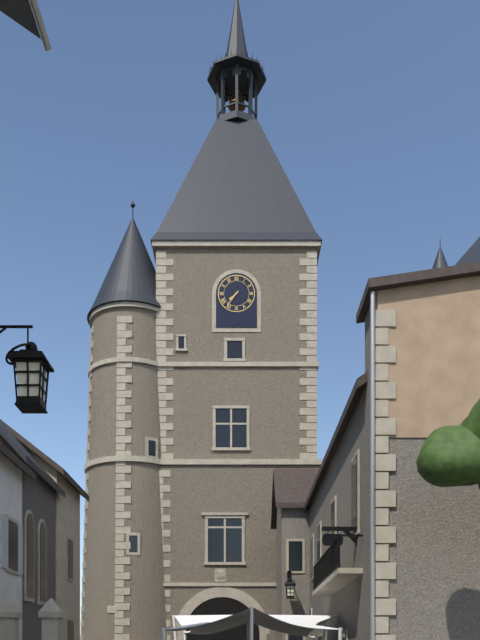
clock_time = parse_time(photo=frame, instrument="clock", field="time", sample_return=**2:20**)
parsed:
**7:36**
